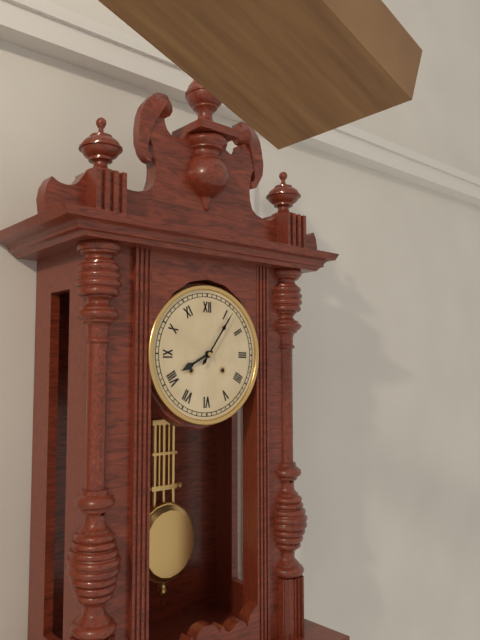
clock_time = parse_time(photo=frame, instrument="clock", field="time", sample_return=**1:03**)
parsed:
**8:06**
